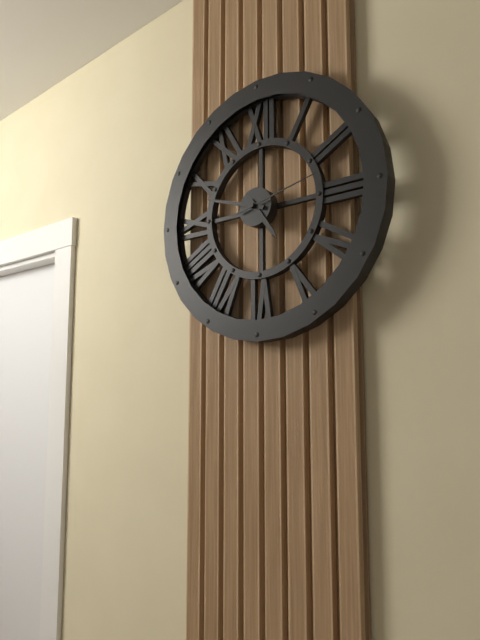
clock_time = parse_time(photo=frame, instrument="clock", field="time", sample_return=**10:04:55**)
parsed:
**4:48:13**
